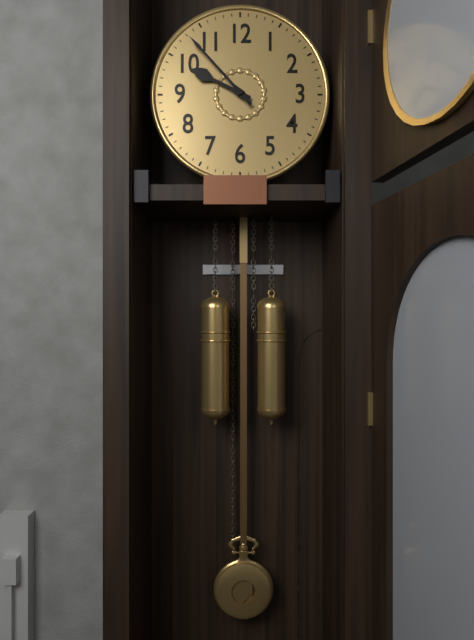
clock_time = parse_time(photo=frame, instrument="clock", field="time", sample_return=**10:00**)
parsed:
**9:53**
